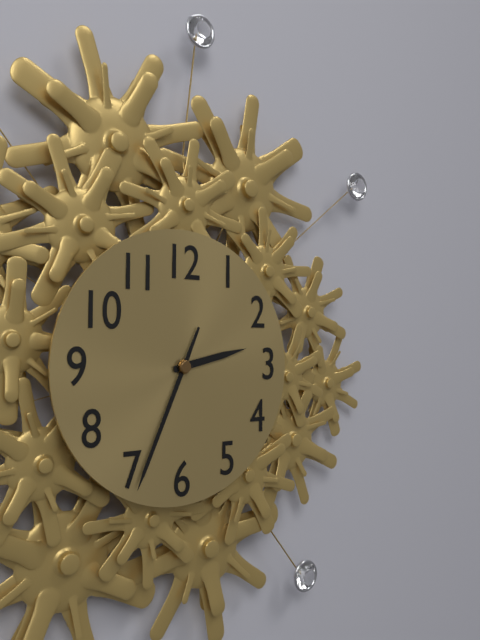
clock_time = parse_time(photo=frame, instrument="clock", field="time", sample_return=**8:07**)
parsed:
**2:34**
